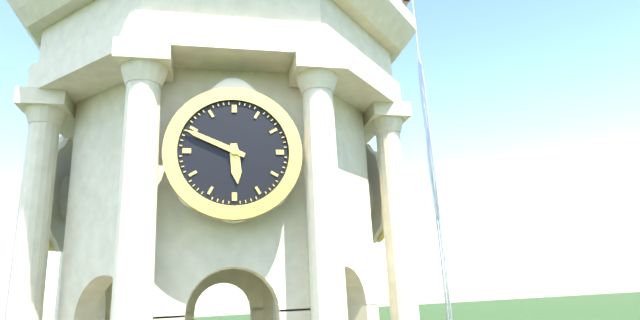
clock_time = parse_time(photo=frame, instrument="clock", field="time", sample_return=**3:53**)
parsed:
**5:49**
